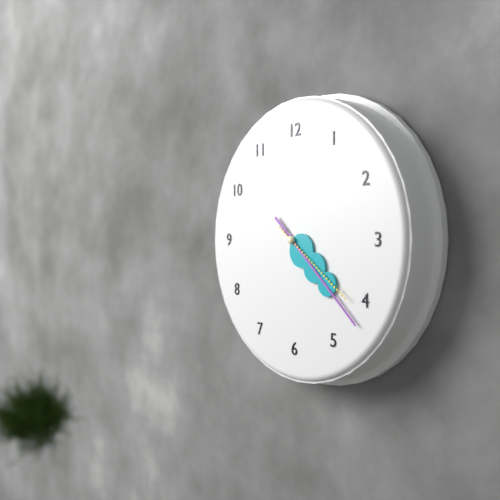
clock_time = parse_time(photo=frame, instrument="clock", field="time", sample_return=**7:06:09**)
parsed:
**4:22:21**
